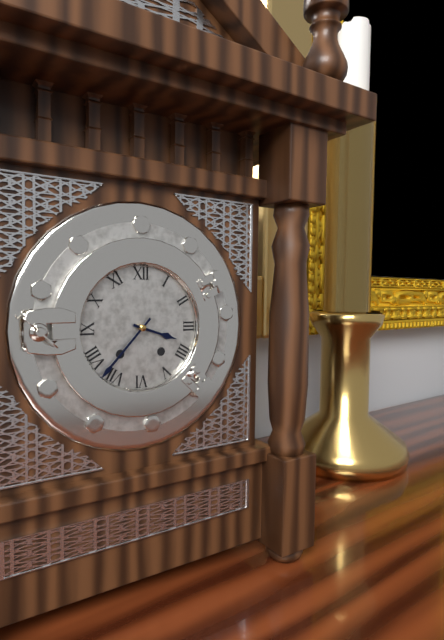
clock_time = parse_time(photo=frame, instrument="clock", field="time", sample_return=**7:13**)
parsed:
**3:37**
